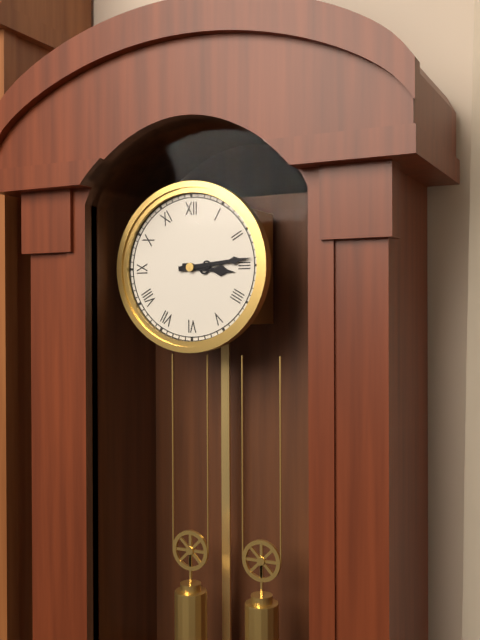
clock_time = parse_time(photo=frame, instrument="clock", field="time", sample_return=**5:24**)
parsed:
**3:14**
